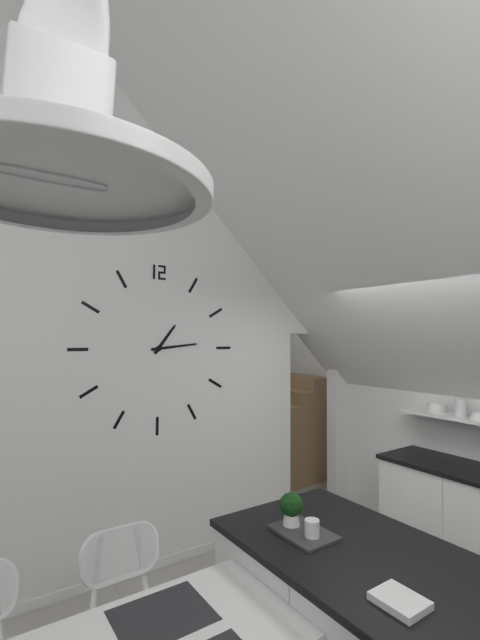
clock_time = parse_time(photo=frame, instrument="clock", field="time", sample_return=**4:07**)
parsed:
**1:14**
